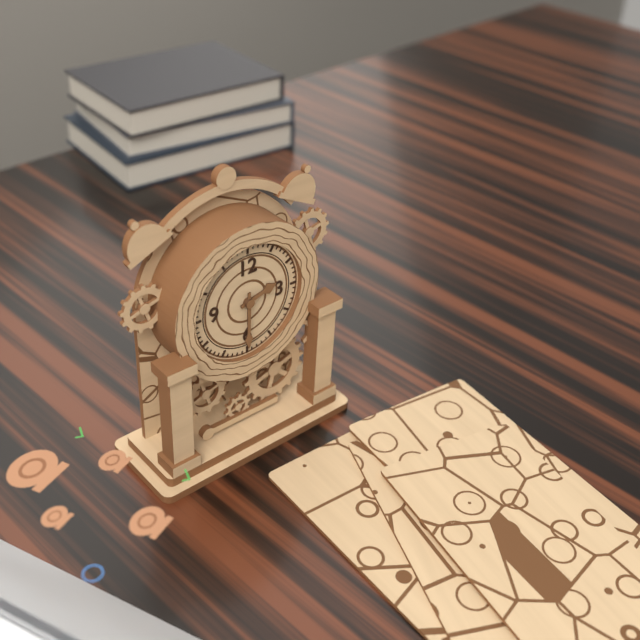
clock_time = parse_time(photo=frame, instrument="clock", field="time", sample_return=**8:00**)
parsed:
**2:30**
